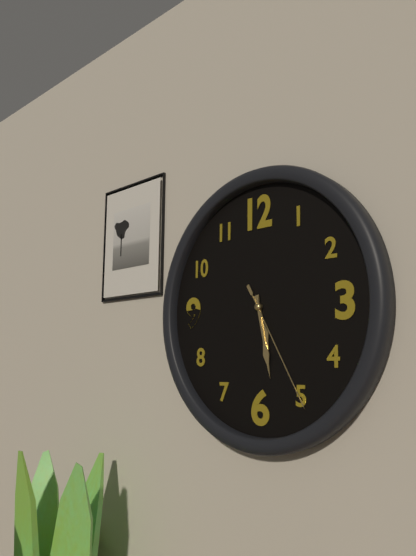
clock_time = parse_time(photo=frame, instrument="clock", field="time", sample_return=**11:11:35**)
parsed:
**5:28:25**
